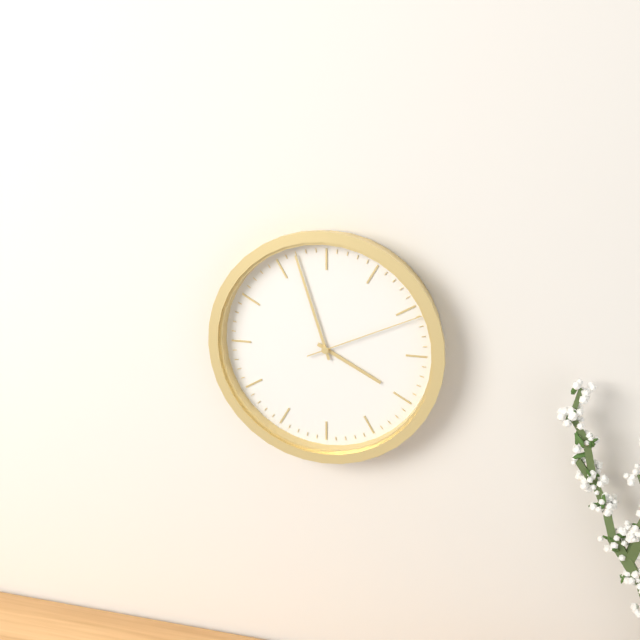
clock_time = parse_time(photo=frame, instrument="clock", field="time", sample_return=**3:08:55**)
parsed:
**3:57:11**
